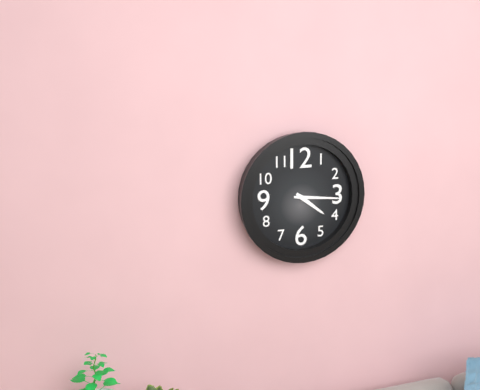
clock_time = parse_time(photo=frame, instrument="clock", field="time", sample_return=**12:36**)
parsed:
**4:16**
